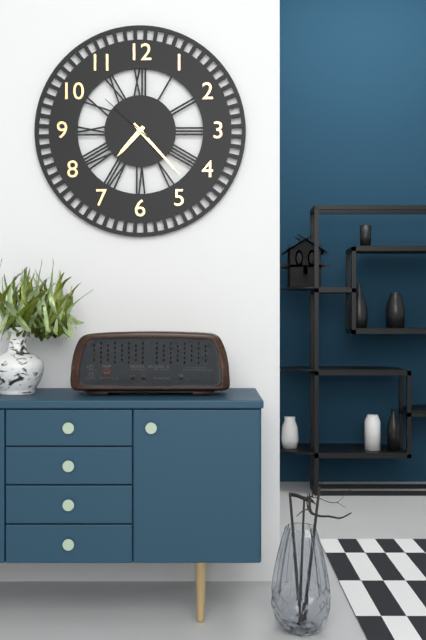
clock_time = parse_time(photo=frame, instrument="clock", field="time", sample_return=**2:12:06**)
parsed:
**7:23:52**
